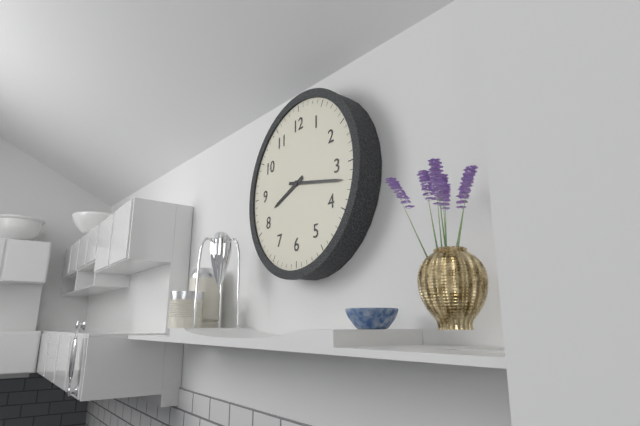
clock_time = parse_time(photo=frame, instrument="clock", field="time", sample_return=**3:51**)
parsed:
**8:17**
